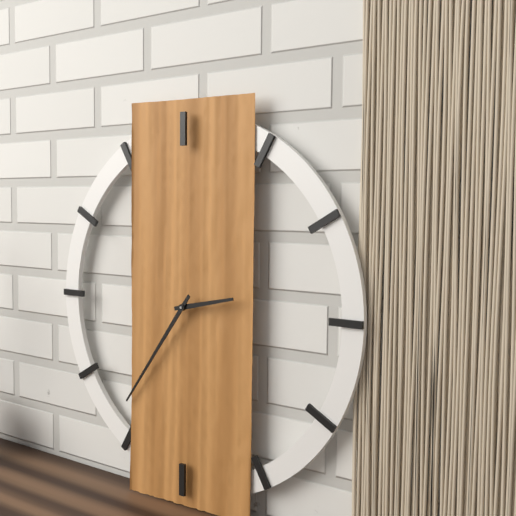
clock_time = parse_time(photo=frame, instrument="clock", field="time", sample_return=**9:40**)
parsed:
**2:36**
